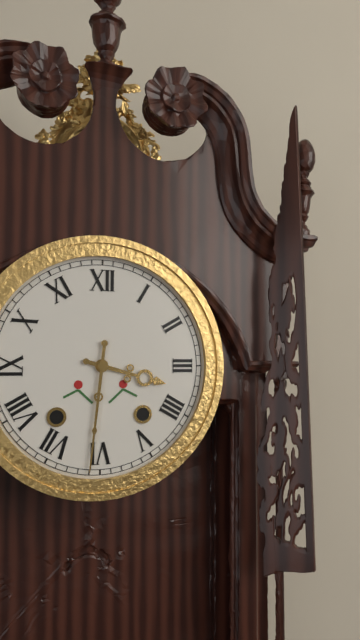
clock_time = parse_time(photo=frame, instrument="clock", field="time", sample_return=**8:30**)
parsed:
**3:31**
